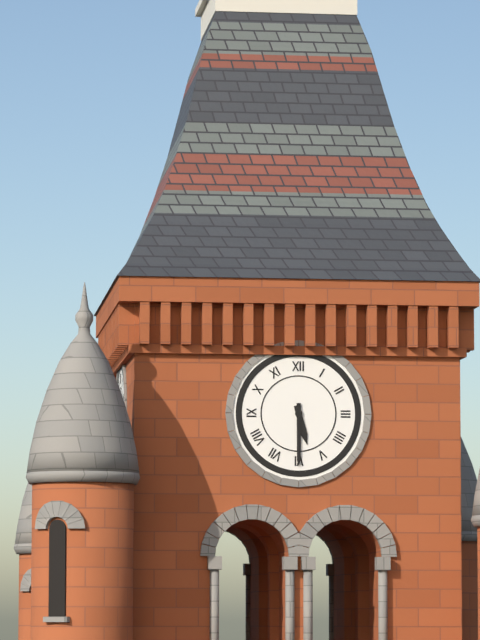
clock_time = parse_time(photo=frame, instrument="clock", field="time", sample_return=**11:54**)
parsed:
**5:30**
